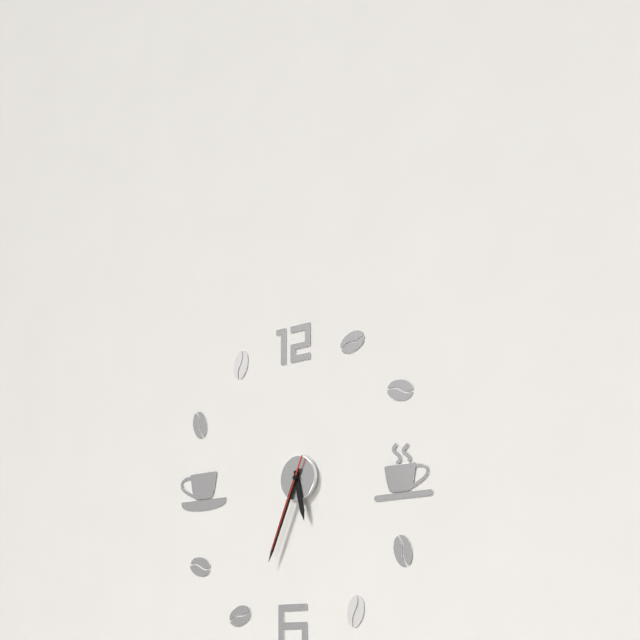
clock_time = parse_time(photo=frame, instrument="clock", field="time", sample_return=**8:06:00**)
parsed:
**5:34:34**
